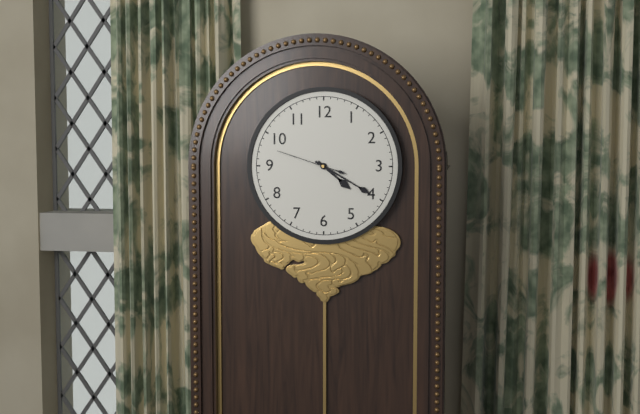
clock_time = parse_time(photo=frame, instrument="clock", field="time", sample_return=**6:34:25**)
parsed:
**4:20:48**
